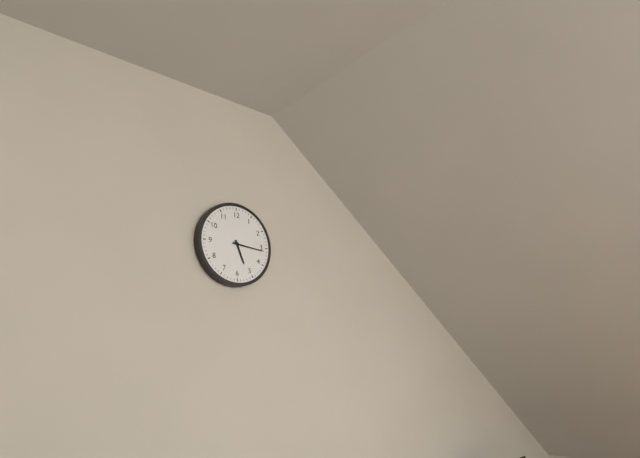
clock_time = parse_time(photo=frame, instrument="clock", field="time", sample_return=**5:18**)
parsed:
**5:16**
